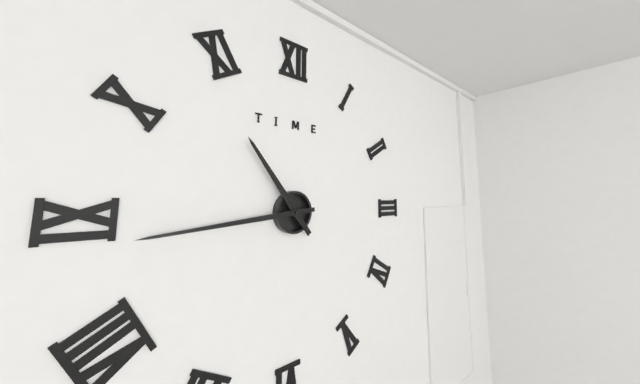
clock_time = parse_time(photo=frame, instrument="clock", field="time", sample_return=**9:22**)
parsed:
**10:44**
